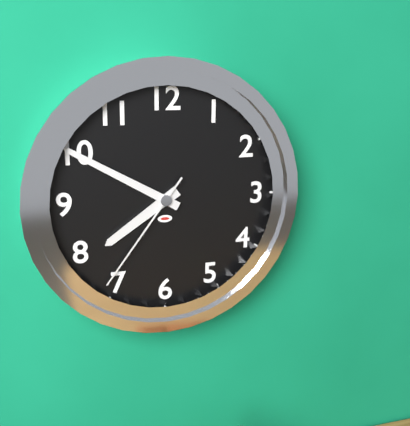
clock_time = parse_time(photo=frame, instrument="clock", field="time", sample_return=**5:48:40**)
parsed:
**7:50:36**
